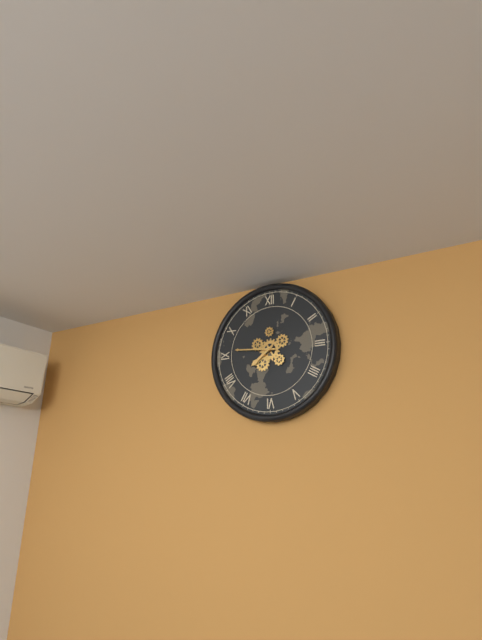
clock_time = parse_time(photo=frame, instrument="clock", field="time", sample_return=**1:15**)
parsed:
**7:46**
